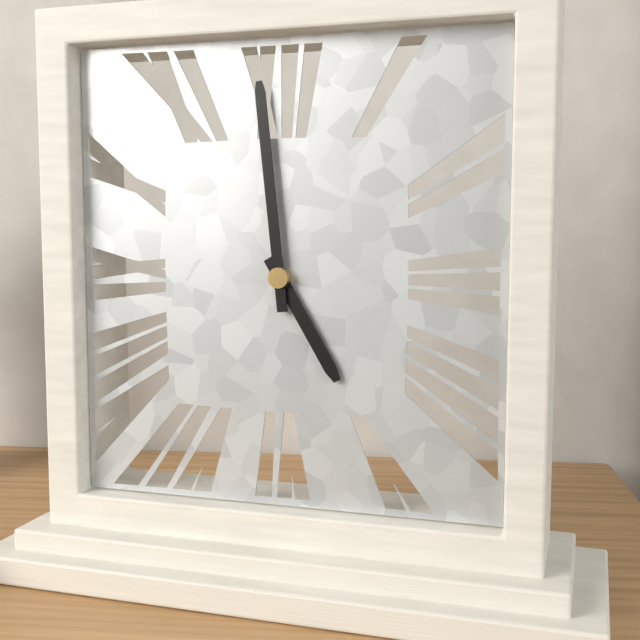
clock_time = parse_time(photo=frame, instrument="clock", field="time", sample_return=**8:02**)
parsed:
**4:59**
